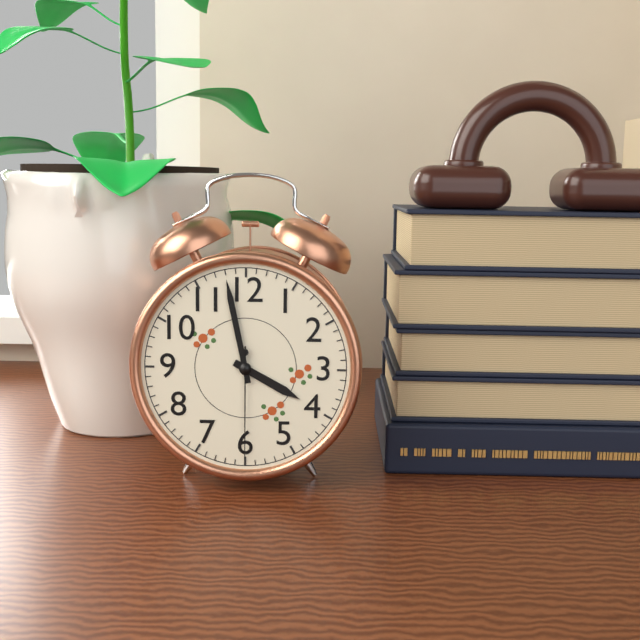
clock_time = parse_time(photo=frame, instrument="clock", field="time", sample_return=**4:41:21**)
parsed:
**3:58:30**
